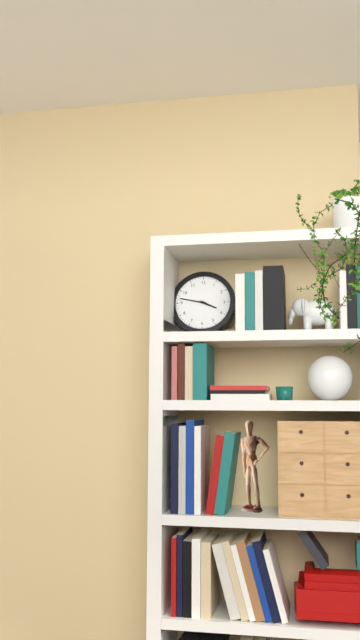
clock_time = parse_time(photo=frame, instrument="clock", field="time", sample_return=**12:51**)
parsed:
**3:47**
